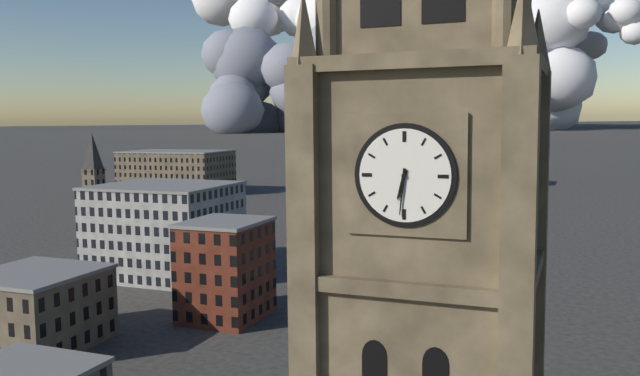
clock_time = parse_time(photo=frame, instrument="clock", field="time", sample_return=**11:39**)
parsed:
**6:31**
